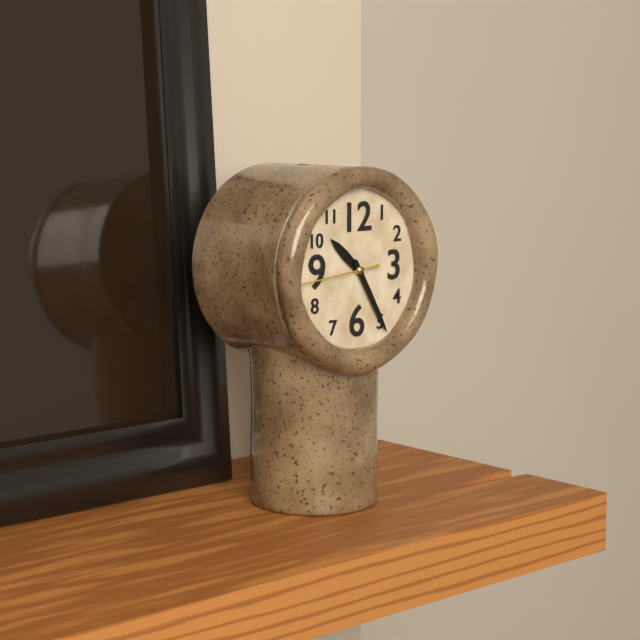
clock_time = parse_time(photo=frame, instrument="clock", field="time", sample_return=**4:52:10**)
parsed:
**10:25:44**
